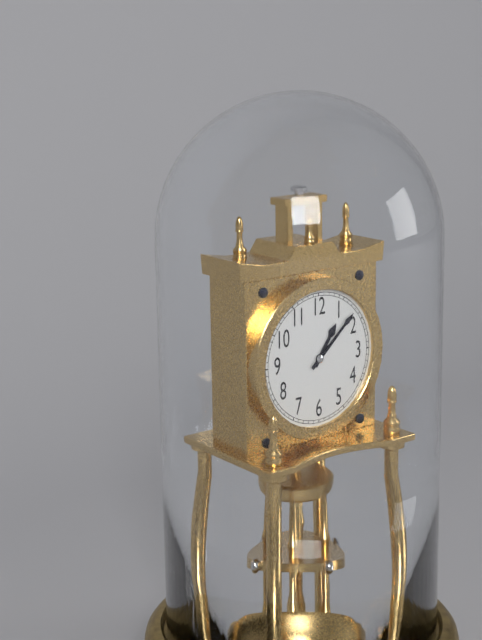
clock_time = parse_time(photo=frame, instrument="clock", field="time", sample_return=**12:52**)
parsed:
**1:08**
